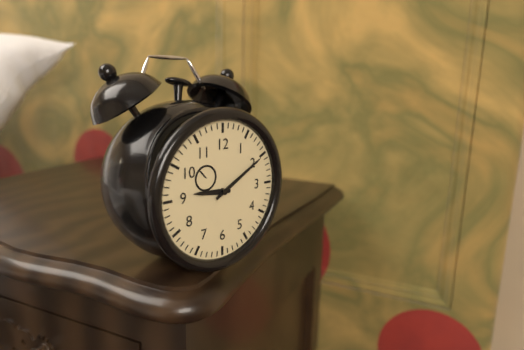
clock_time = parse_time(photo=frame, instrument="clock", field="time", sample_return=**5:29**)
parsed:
**9:10**
